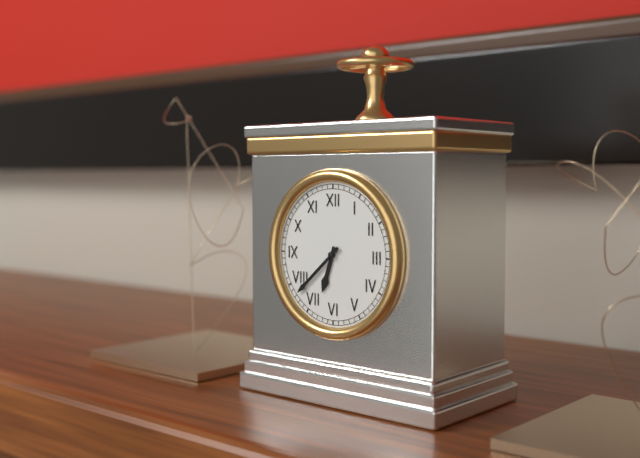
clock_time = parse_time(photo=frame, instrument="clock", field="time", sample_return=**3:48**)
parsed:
**6:38**
